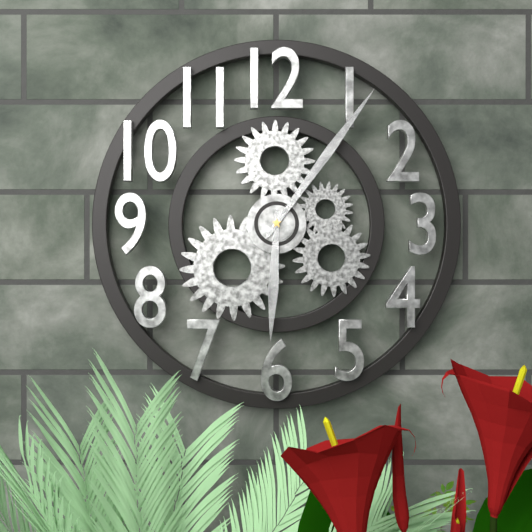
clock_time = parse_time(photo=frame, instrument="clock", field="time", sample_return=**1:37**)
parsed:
**6:06**
